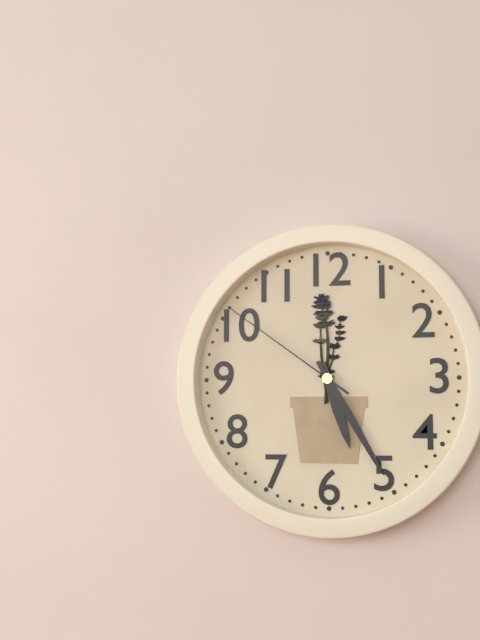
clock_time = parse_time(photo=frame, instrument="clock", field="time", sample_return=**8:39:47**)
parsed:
**5:25:51**
